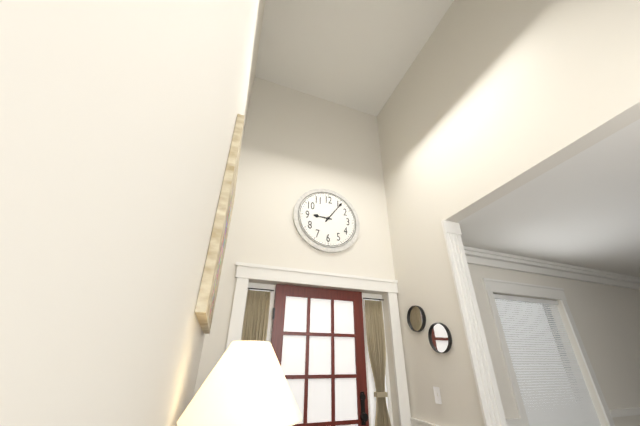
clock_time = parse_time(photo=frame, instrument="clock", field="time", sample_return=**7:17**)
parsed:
**9:06**
